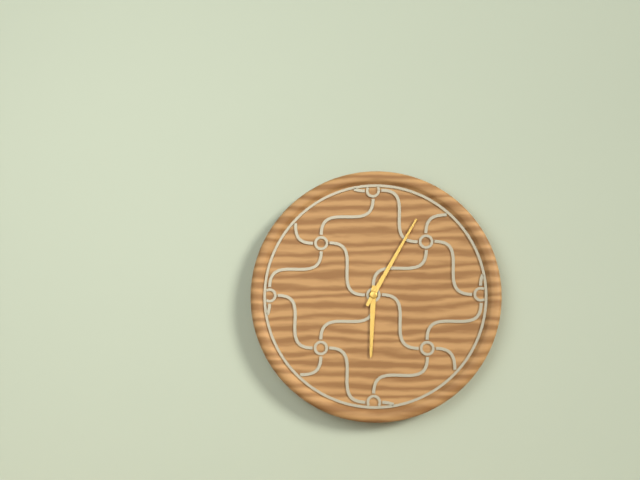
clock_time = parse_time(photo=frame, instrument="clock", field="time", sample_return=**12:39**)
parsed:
**6:05**
